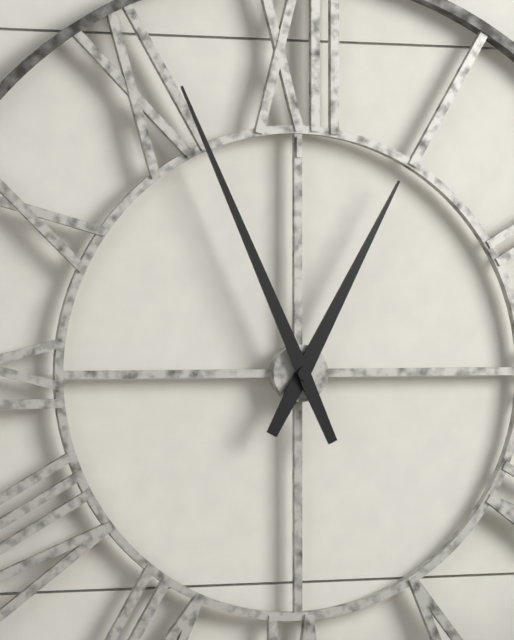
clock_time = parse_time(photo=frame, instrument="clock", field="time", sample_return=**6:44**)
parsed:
**12:56**
